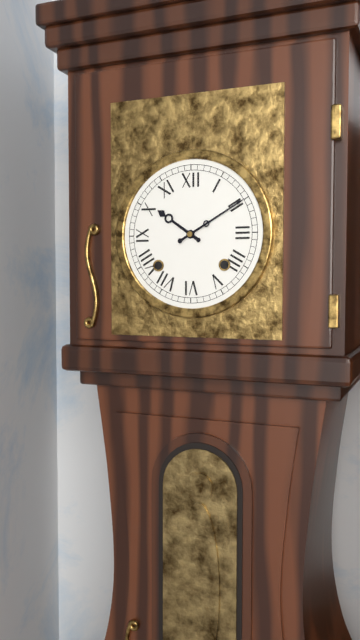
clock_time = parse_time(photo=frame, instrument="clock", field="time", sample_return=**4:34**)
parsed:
**10:10**
